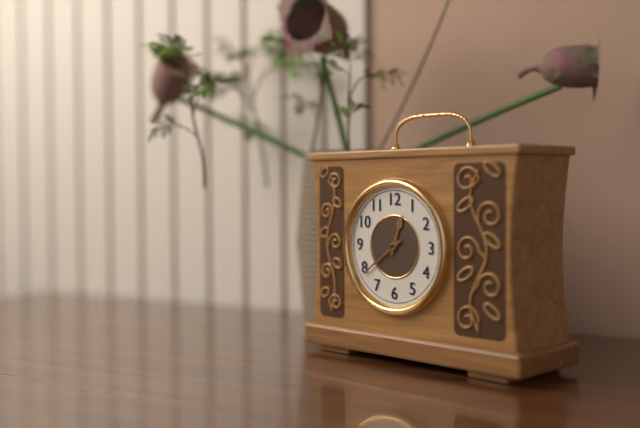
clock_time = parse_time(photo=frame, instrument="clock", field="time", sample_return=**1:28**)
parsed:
**12:39**
